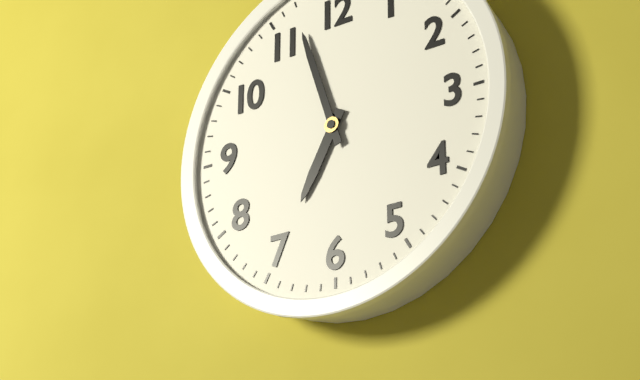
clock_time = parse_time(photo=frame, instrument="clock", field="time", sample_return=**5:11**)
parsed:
**6:57**
